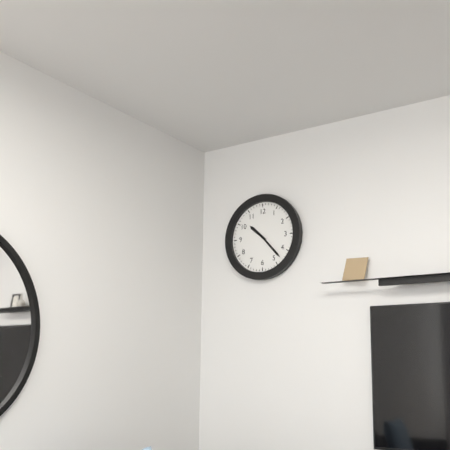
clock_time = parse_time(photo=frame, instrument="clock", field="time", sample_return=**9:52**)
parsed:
**10:23**
